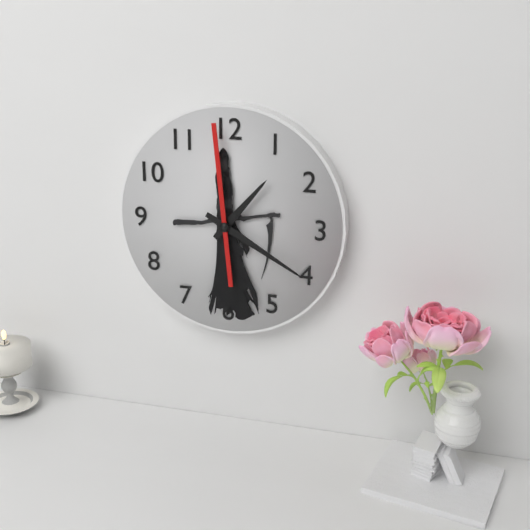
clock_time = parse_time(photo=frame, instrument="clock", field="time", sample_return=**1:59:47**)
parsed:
**1:20:59**
